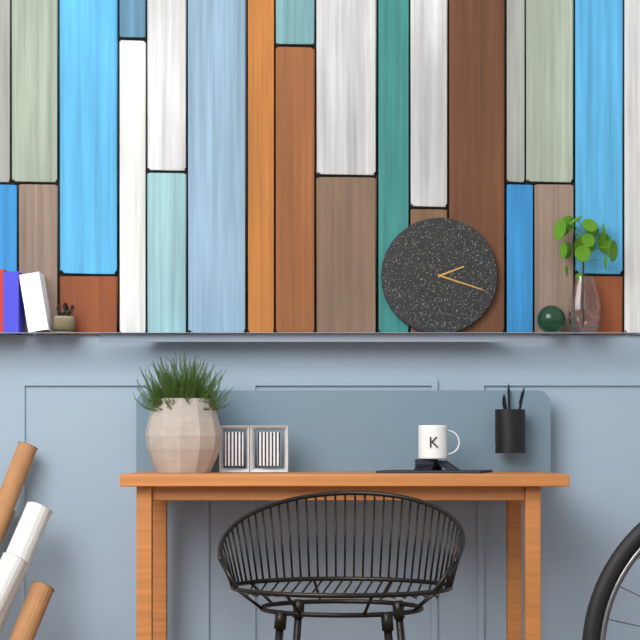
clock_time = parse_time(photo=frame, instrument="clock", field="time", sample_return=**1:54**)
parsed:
**2:18**
